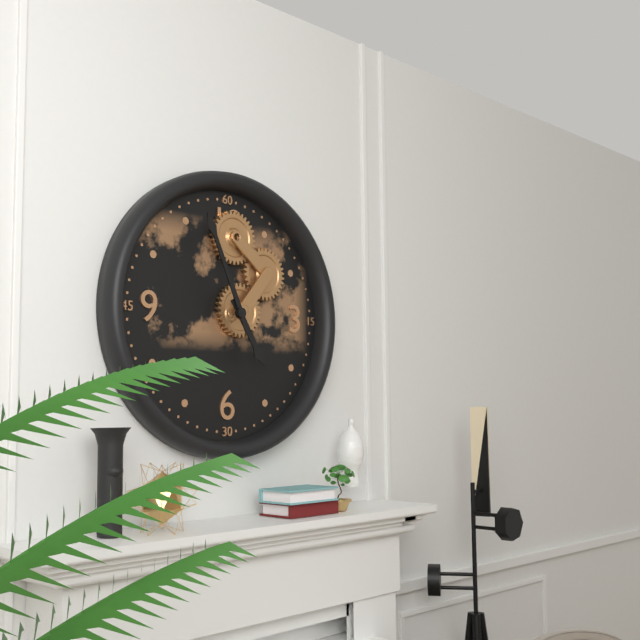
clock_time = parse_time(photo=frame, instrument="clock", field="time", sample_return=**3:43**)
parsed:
**4:56**
